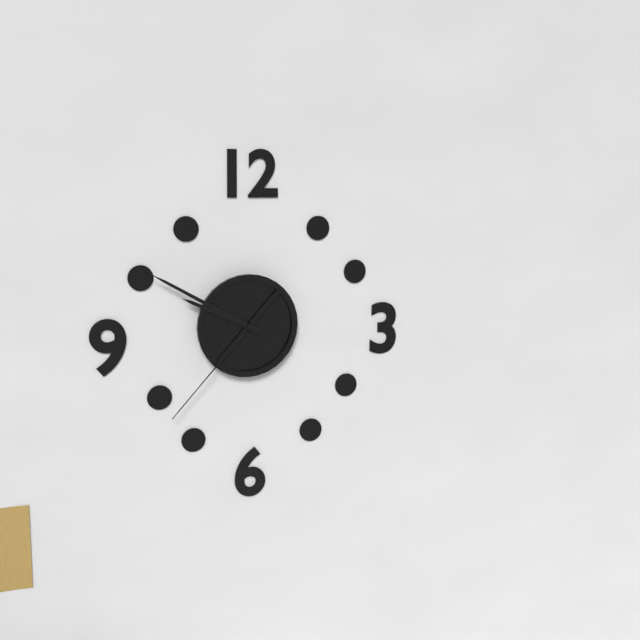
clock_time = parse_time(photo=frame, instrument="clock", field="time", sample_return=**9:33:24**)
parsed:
**9:50:37**
